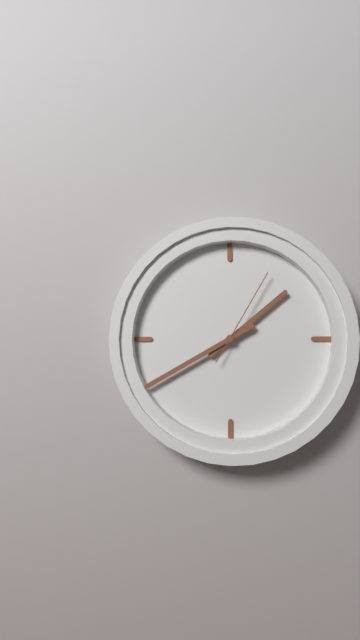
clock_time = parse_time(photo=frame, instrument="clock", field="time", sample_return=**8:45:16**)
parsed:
**1:40:05**
